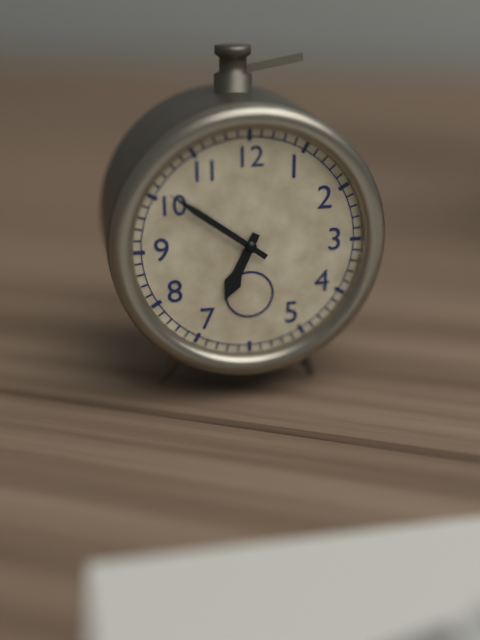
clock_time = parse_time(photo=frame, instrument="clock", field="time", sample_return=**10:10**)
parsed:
**6:51**
